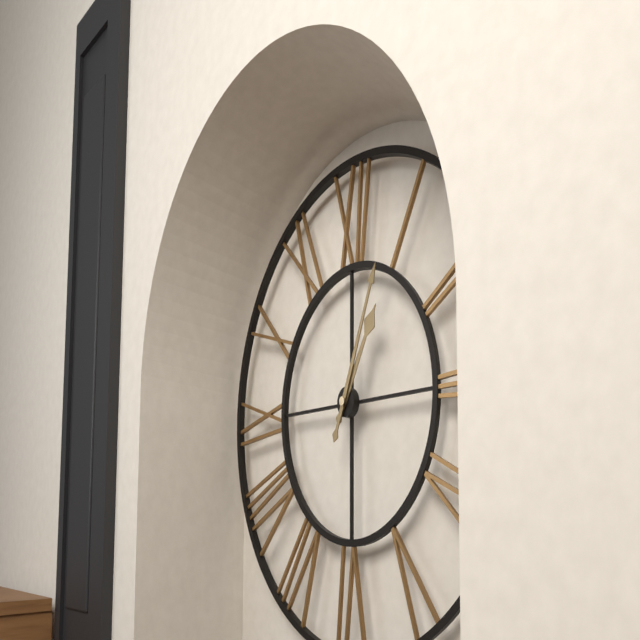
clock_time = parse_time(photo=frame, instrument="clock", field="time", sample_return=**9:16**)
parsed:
**1:04**
